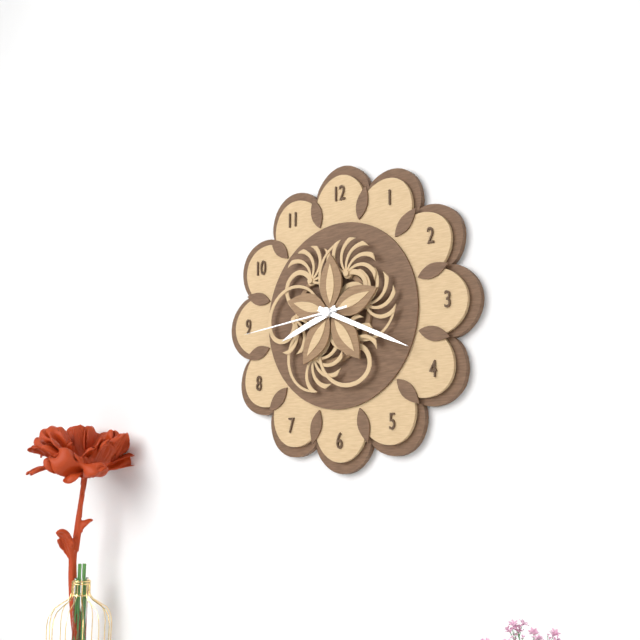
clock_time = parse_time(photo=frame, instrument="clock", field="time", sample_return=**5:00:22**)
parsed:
**8:19:44**
